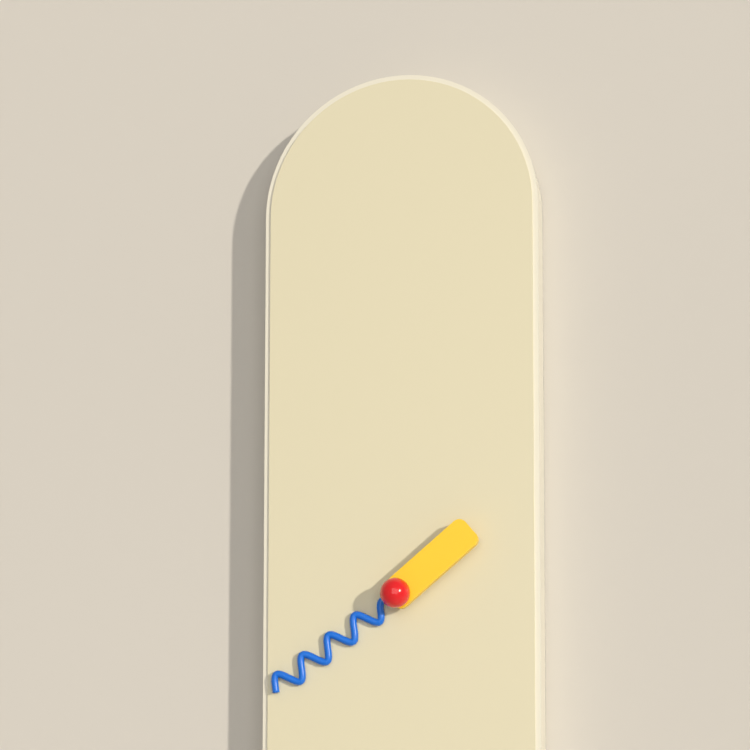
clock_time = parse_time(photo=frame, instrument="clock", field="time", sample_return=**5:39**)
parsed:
**1:39**
